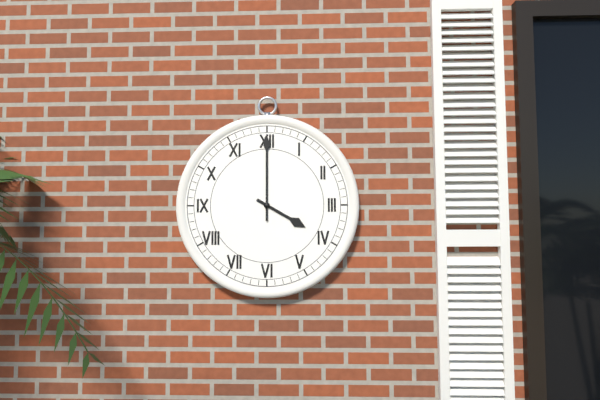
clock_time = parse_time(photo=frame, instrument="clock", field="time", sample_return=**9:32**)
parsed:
**4:00**
